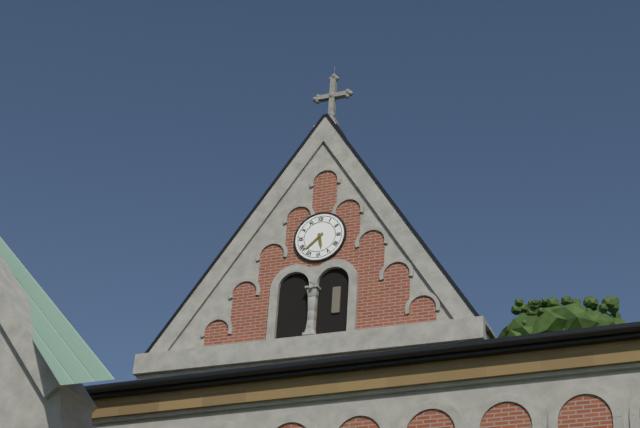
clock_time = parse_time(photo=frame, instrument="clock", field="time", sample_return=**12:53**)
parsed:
**5:38**
